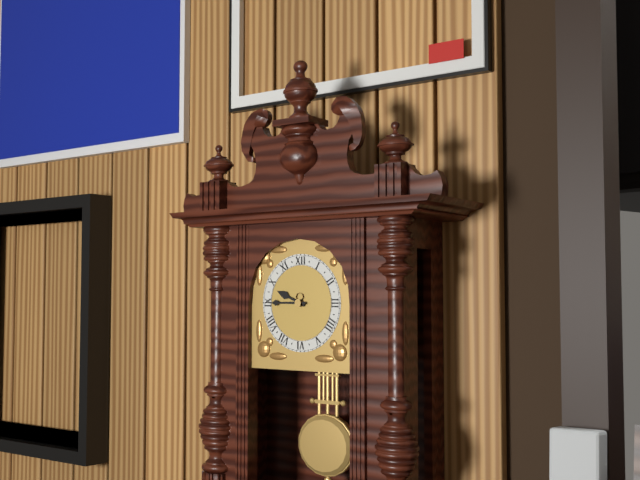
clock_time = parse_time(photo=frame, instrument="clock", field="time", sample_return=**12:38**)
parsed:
**9:45**
